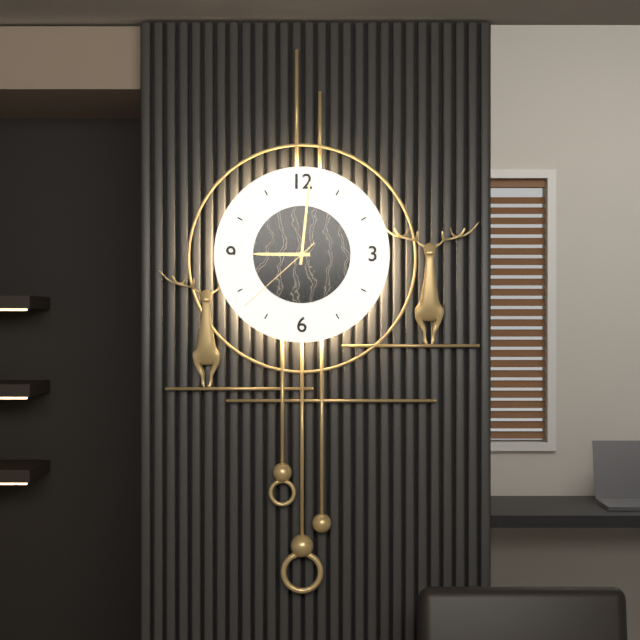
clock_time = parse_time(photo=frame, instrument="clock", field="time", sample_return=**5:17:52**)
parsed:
**9:01:38**
